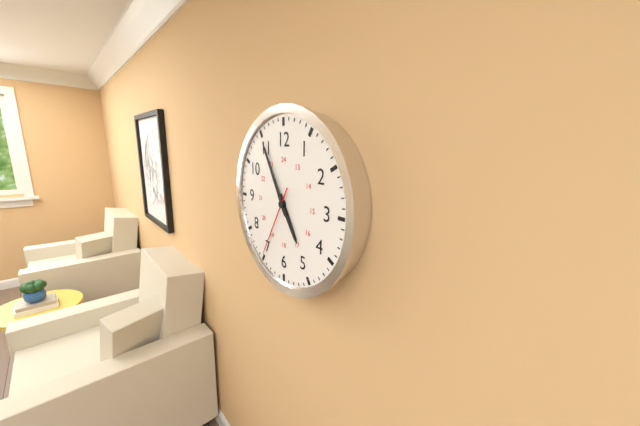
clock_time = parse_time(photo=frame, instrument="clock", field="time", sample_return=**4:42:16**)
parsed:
**4:55:35**
